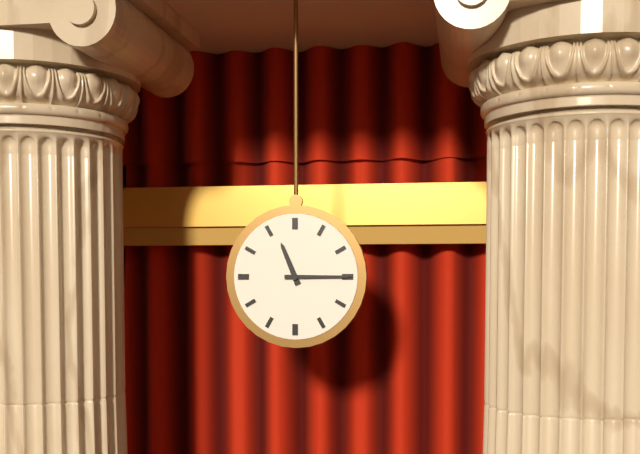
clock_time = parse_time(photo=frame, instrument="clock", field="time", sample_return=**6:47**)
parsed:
**11:15**
